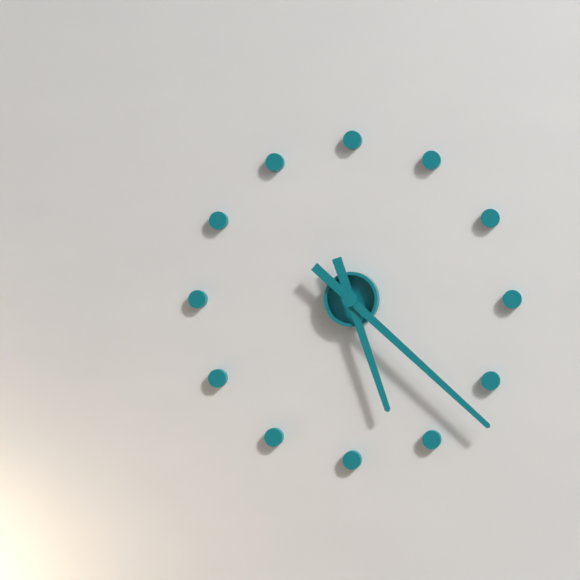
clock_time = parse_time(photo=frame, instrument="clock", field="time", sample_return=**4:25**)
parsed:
**5:22**
